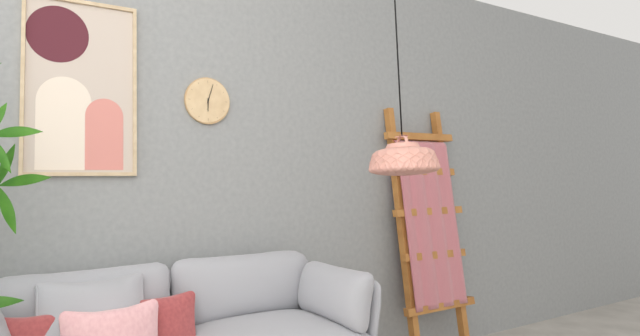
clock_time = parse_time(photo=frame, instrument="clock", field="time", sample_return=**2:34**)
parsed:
**6:03**
